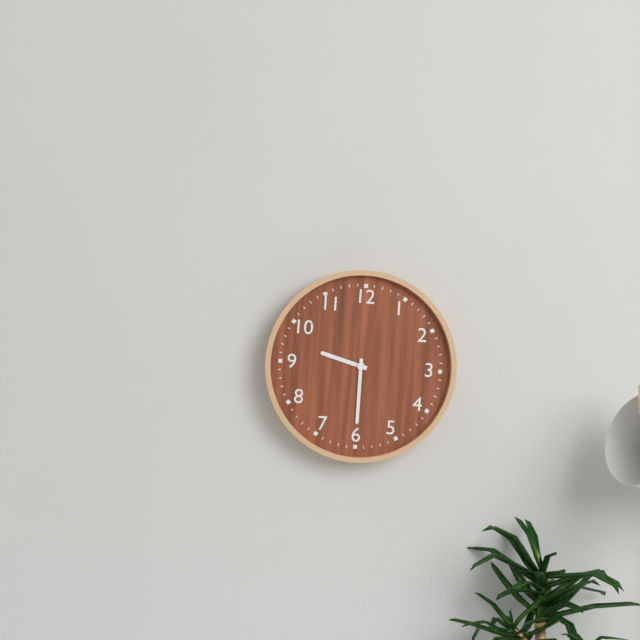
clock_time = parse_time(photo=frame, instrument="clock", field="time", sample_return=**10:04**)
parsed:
**9:30**
